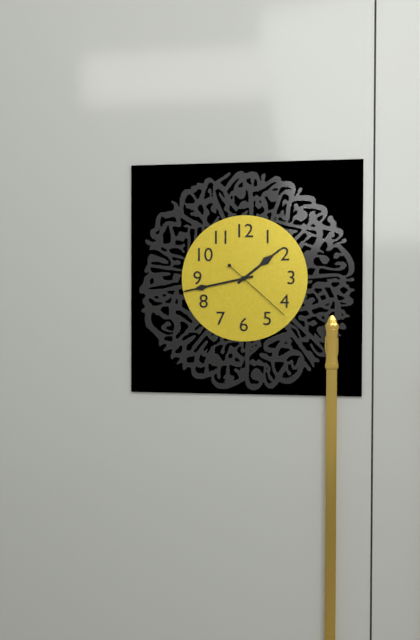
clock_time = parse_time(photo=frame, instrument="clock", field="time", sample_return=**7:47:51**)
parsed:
**1:43:22**
